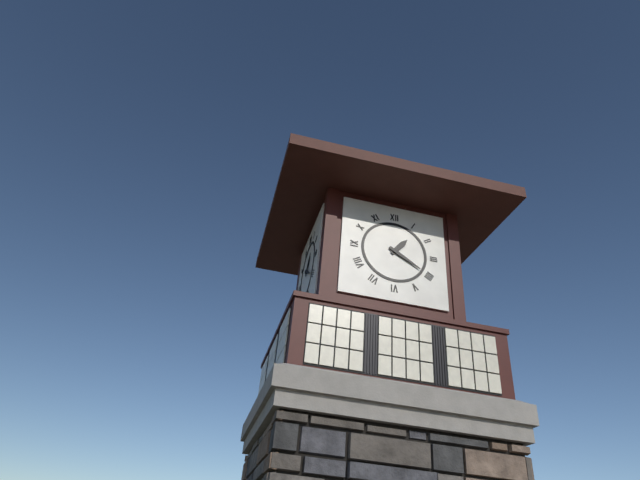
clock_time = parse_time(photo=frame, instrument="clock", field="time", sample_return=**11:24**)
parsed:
**1:20**
